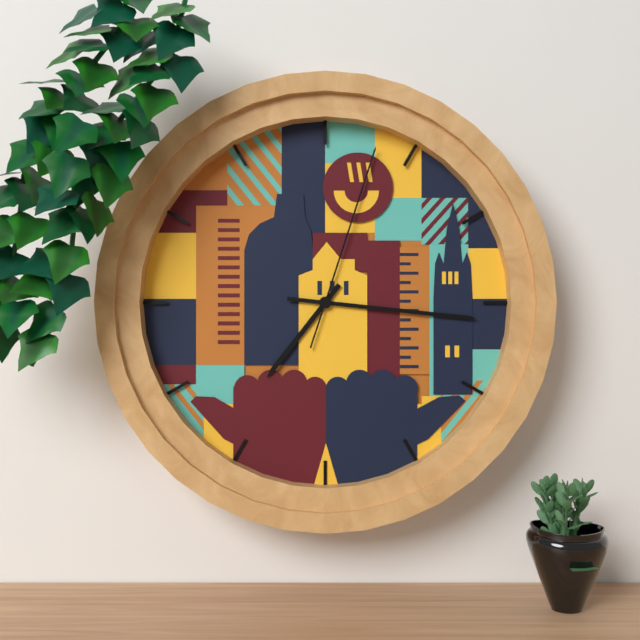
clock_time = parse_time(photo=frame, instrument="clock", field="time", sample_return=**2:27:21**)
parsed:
**7:16:03**
